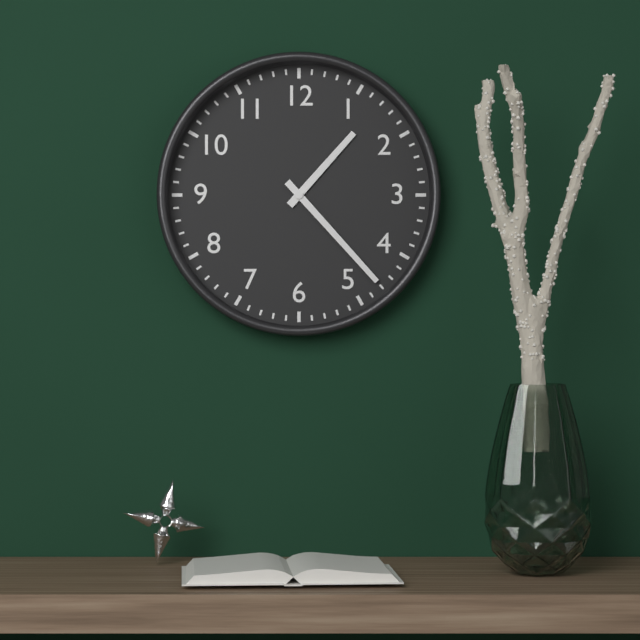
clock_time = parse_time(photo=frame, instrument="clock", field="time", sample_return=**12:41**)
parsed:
**1:23**
